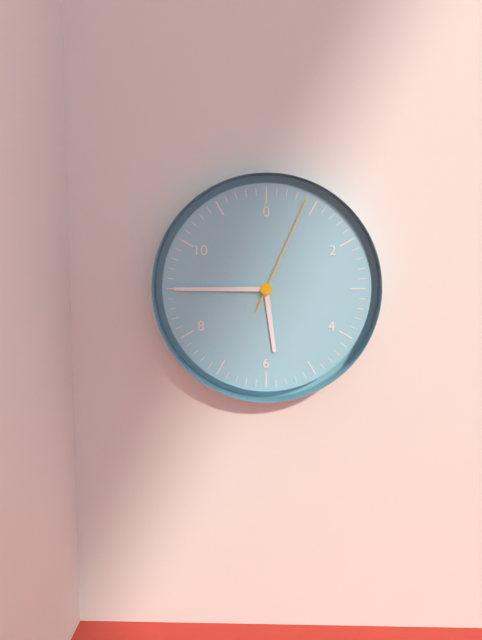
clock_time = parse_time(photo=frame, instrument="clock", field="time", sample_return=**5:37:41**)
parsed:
**5:45:04**
